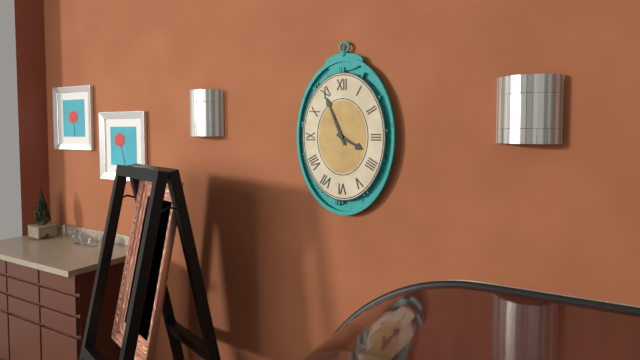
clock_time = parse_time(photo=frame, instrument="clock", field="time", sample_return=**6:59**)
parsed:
**3:56**
